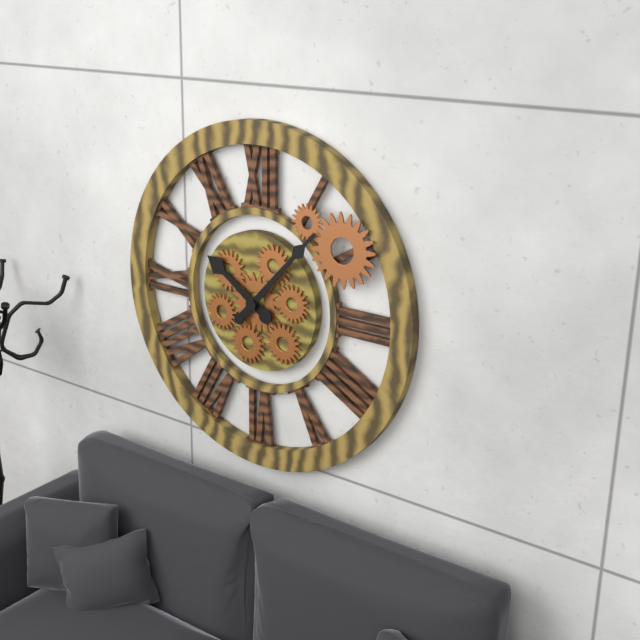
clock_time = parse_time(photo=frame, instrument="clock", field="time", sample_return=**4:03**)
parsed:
**10:07**
